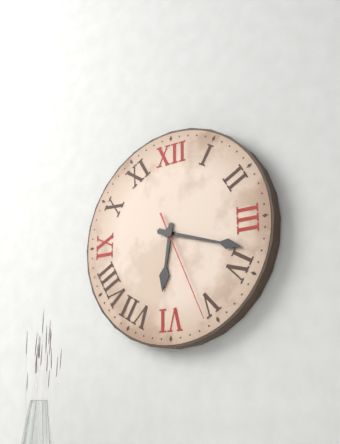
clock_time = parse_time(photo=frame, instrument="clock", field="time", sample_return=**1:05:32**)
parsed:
**6:18:26**
